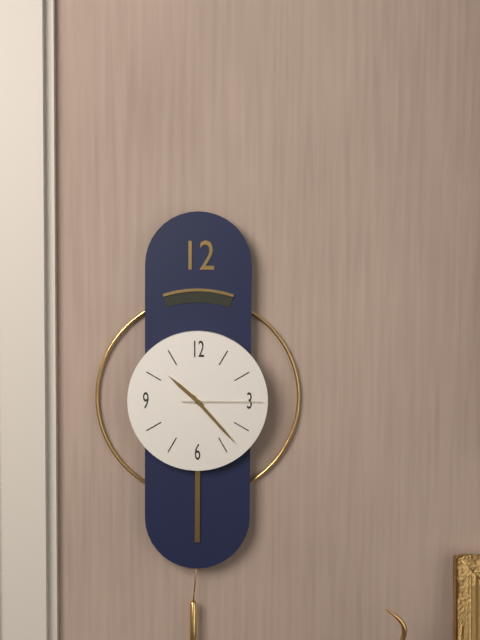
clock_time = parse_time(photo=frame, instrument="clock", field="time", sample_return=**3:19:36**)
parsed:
**10:23:15**
